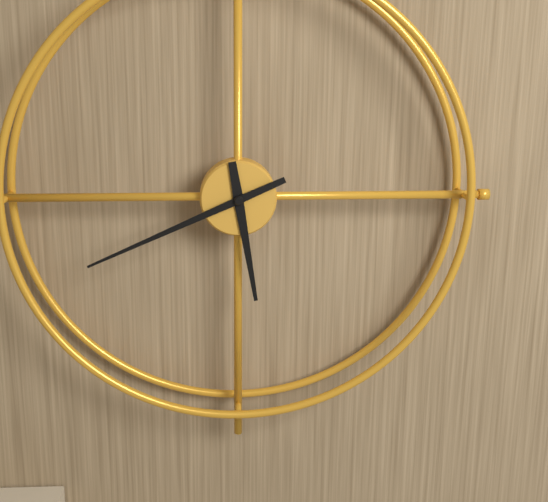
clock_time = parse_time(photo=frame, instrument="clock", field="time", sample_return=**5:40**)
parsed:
**5:41**
